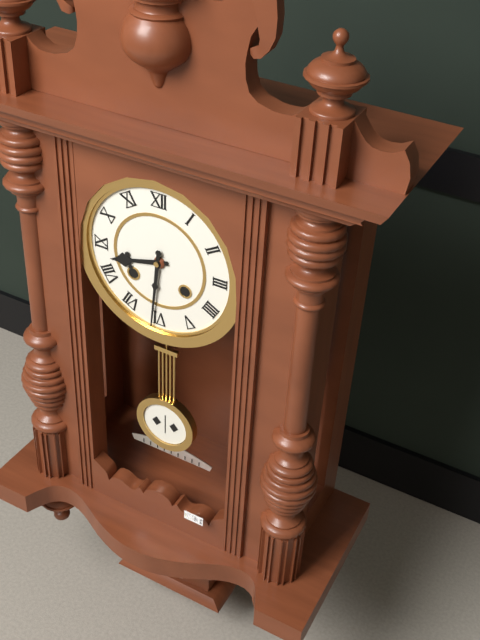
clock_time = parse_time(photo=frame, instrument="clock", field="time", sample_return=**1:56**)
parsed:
**8:31**
